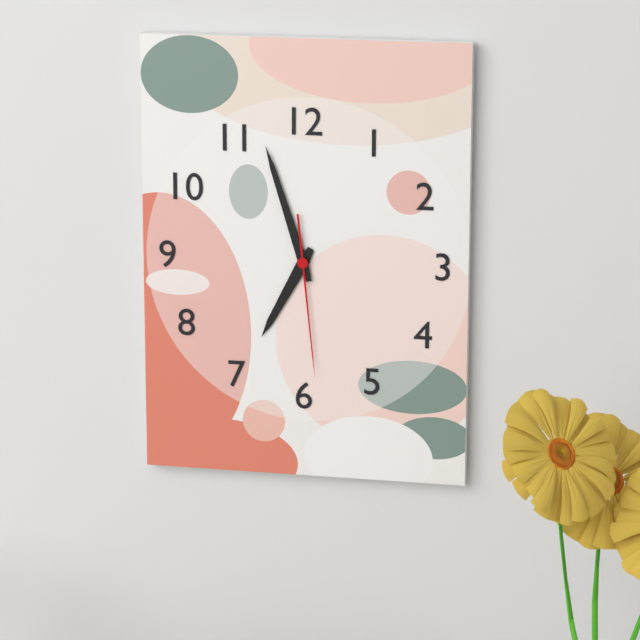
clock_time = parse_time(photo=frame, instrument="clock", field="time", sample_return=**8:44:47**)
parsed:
**6:57:29**
